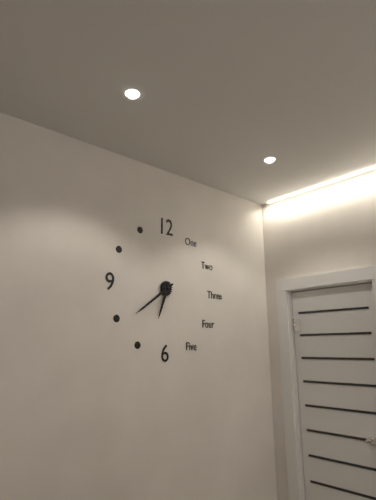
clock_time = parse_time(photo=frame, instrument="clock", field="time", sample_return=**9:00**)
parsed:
**6:39**
